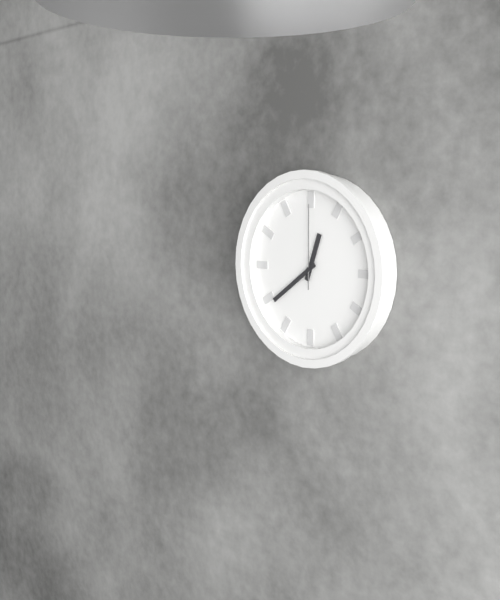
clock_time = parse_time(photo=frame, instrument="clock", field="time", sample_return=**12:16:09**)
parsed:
**12:39:00**
